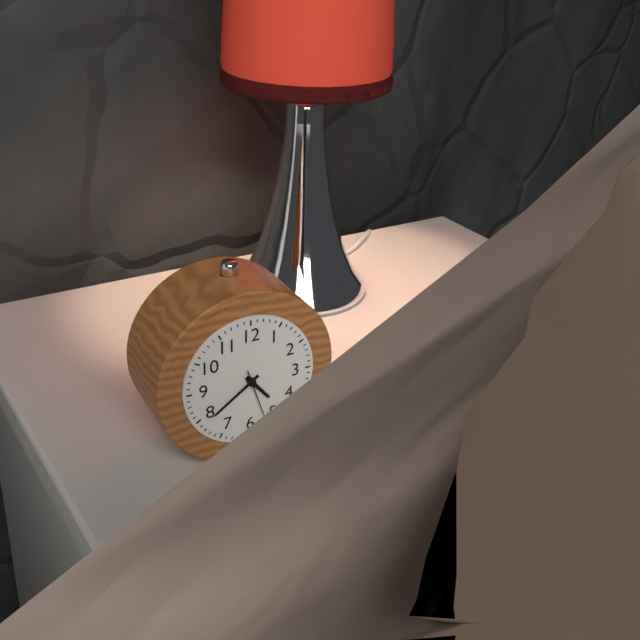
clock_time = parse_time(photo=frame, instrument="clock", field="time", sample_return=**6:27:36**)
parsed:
**4:39:27**
